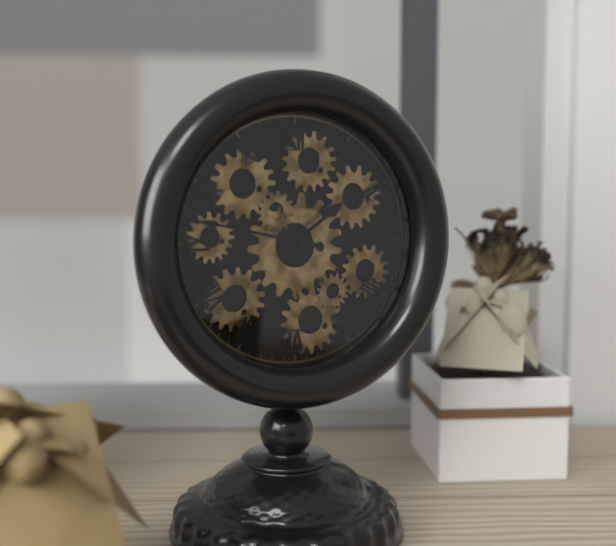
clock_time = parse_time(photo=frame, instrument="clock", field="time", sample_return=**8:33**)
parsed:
**1:47**
